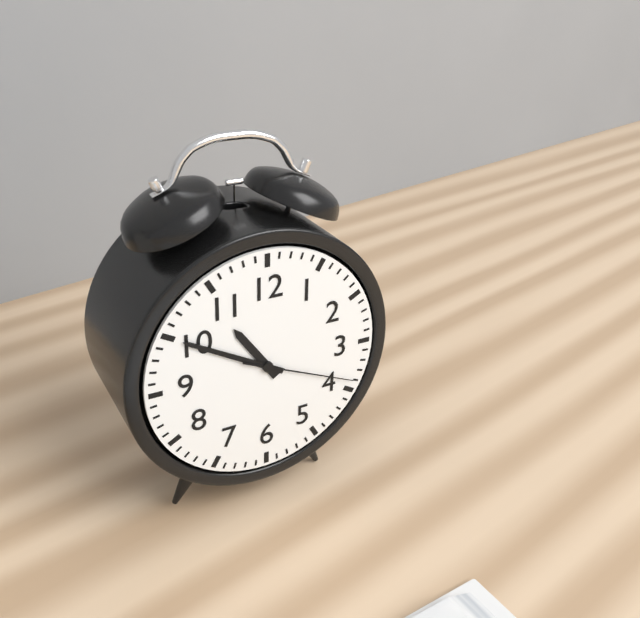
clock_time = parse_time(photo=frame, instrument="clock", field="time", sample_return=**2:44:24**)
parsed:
**10:50:19**
